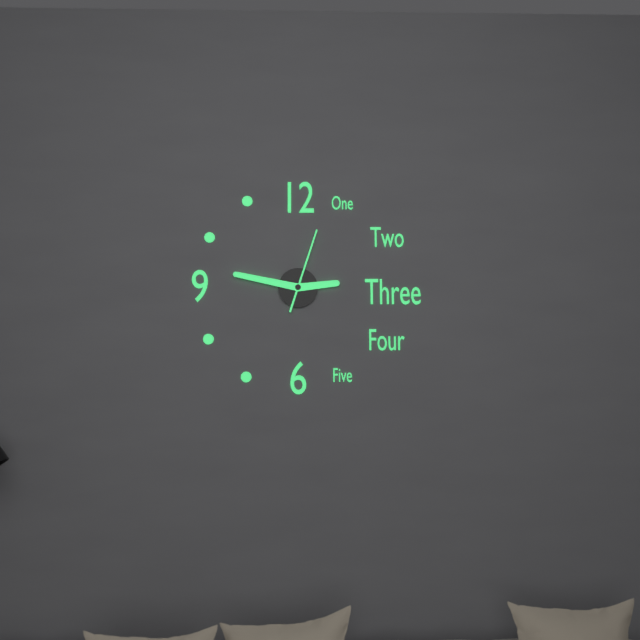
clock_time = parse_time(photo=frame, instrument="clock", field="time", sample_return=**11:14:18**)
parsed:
**2:47:03**
